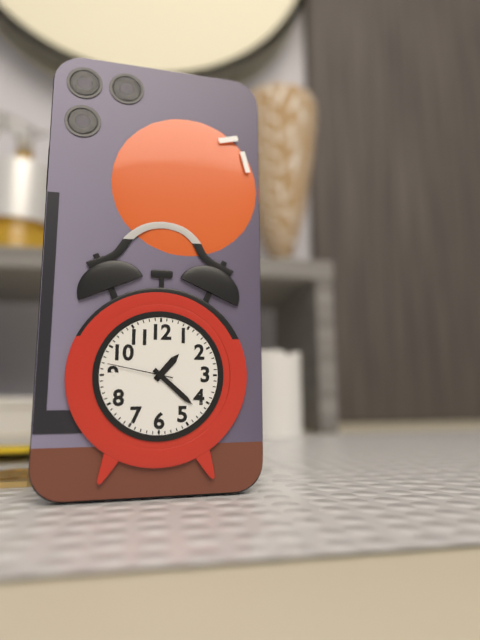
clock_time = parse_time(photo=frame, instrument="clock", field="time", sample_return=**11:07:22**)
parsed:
**1:22:47**
